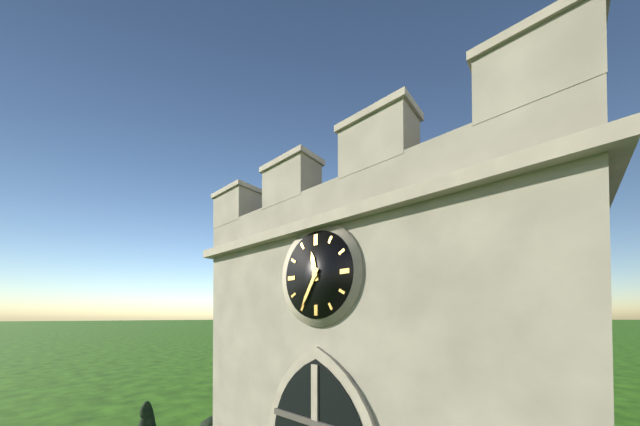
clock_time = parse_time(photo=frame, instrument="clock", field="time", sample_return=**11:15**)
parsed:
**11:35**
